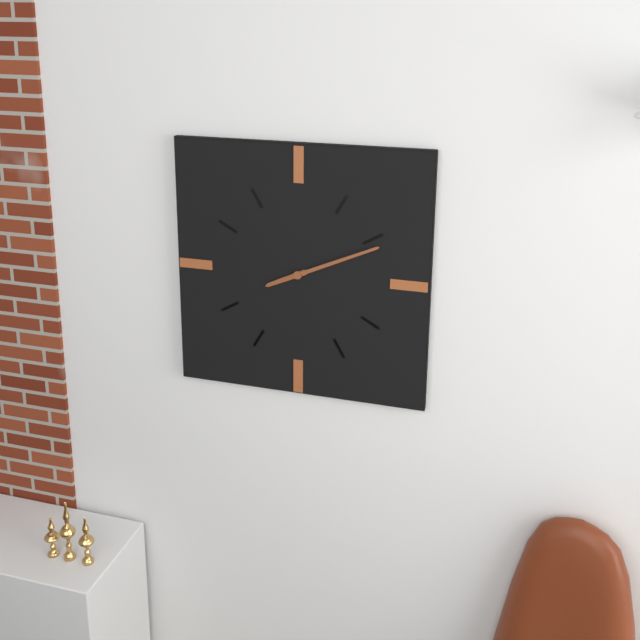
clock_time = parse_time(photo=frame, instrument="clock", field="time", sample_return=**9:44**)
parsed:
**8:11**
